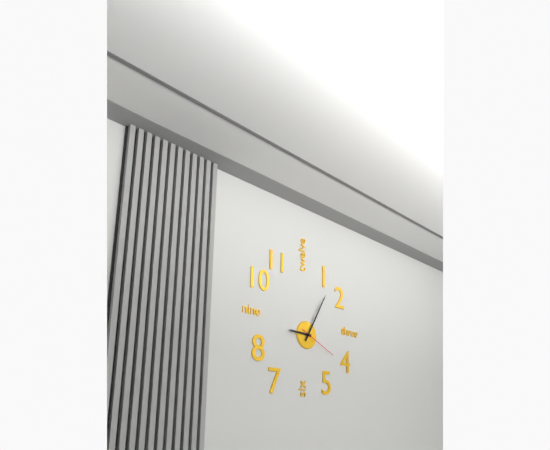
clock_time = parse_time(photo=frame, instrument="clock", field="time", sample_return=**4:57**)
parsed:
**9:05**
